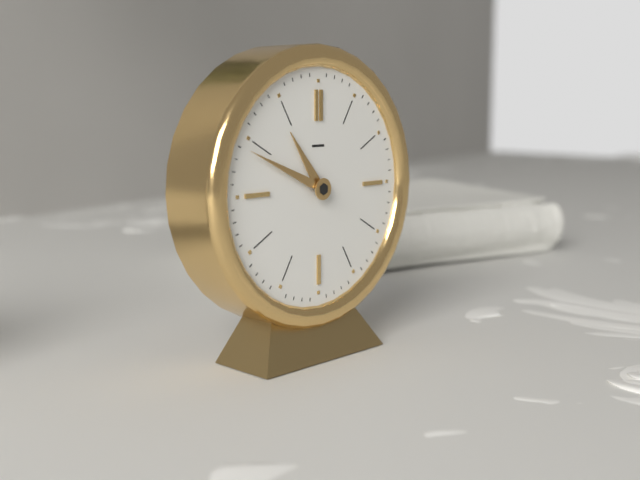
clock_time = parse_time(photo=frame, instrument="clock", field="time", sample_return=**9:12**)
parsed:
**10:49**
